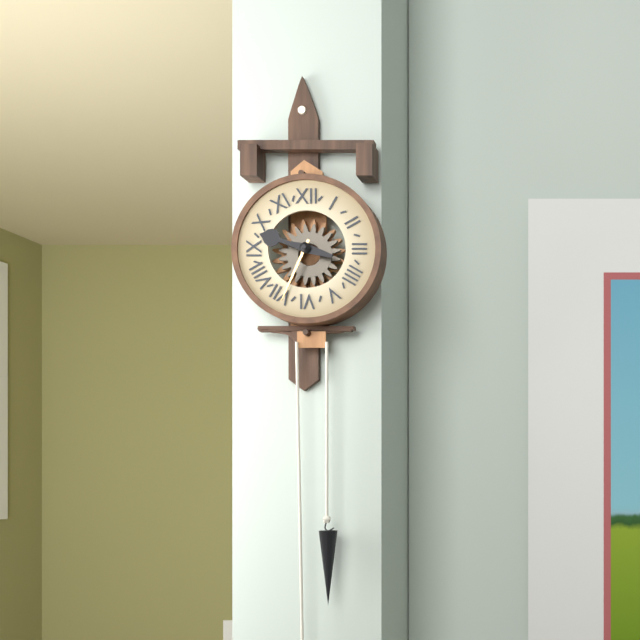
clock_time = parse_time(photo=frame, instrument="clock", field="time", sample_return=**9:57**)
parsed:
**9:34**
